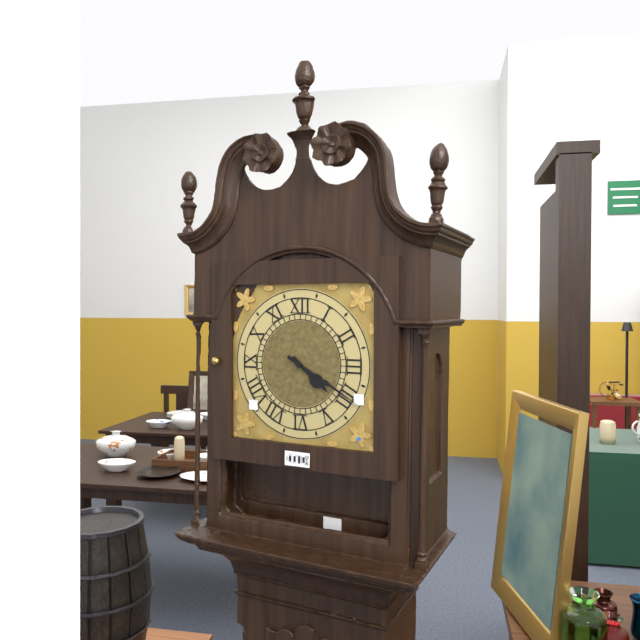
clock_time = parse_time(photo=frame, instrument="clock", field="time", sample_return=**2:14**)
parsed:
**4:20**
